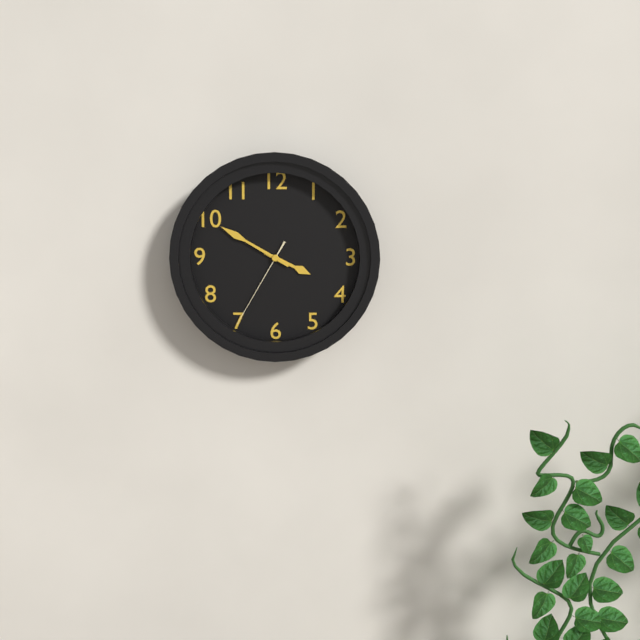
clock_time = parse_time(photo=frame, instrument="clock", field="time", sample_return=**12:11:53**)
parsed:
**3:50:35**
